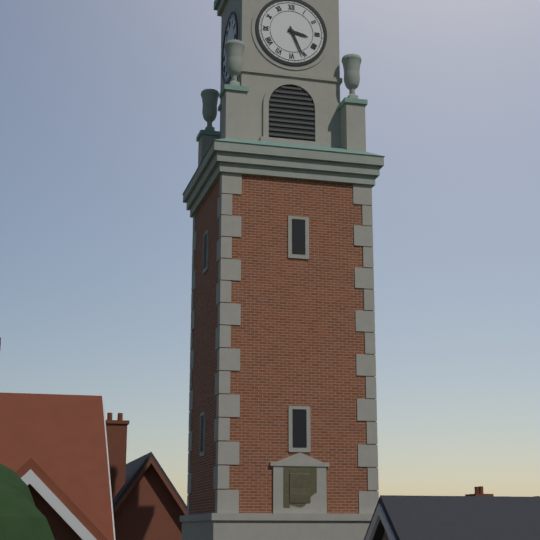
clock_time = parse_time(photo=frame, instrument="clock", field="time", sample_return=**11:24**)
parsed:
**3:26**
